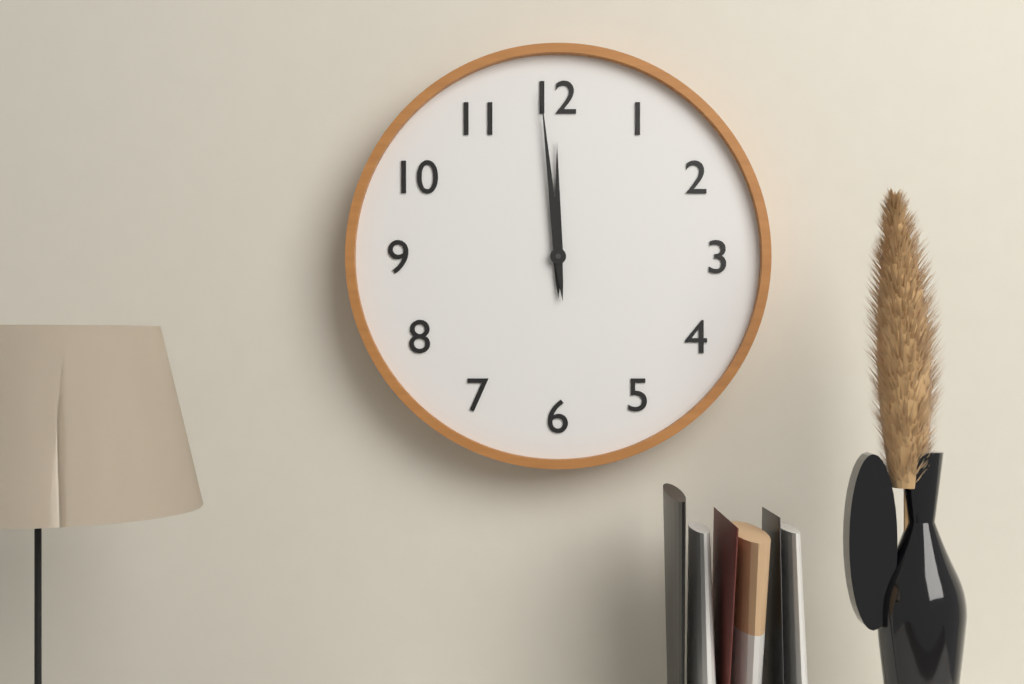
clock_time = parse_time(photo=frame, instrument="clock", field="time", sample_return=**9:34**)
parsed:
**11:59**
